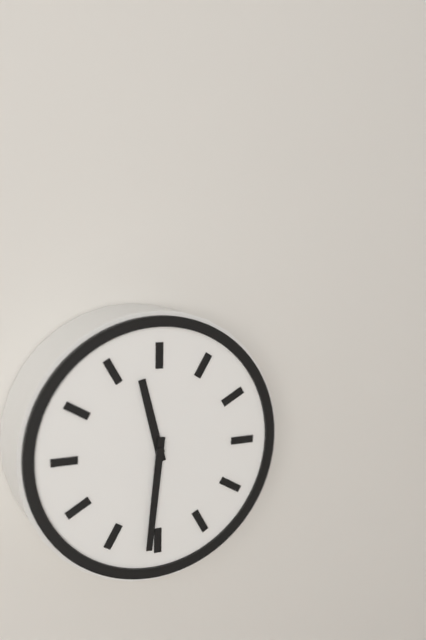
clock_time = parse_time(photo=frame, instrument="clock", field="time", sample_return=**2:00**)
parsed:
**11:31**
